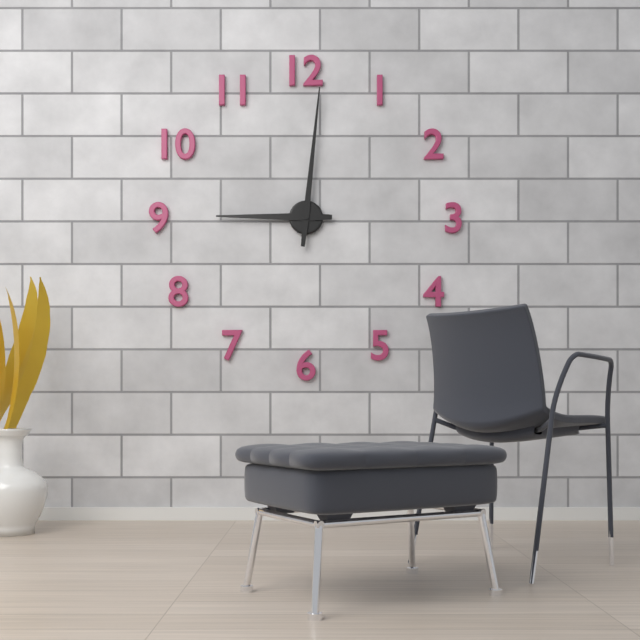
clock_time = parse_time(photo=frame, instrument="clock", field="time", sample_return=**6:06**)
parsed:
**9:01**
